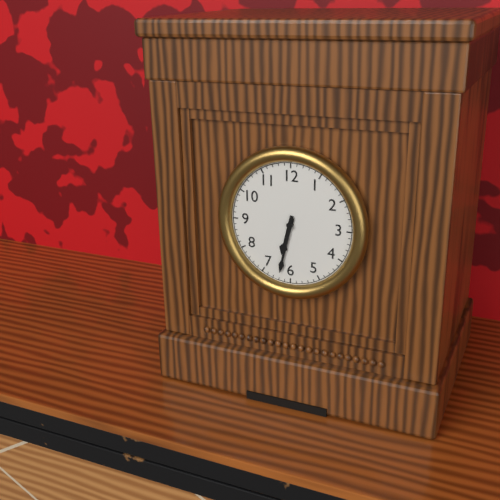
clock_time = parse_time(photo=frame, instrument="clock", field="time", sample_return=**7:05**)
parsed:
**6:32**
